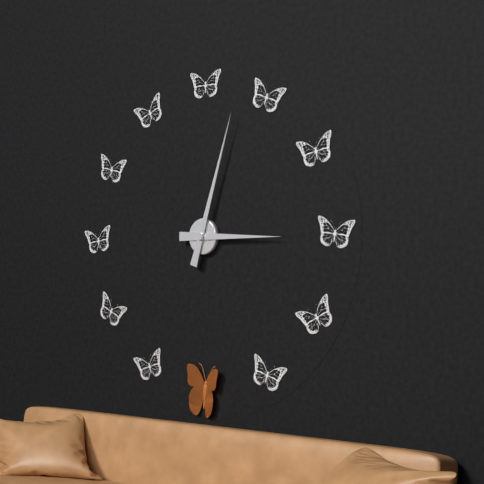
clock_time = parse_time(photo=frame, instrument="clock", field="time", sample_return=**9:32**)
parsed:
**3:03**
